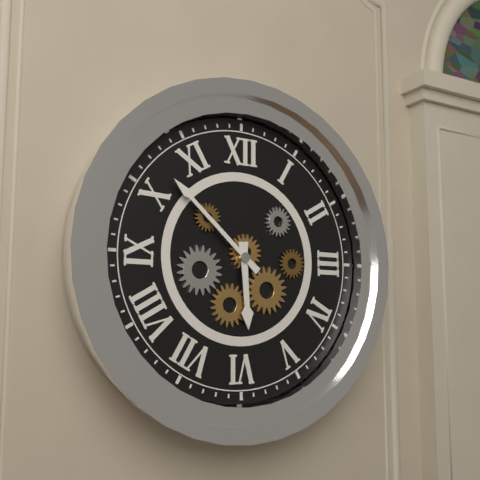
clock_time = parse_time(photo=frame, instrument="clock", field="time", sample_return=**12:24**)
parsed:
**5:52**
